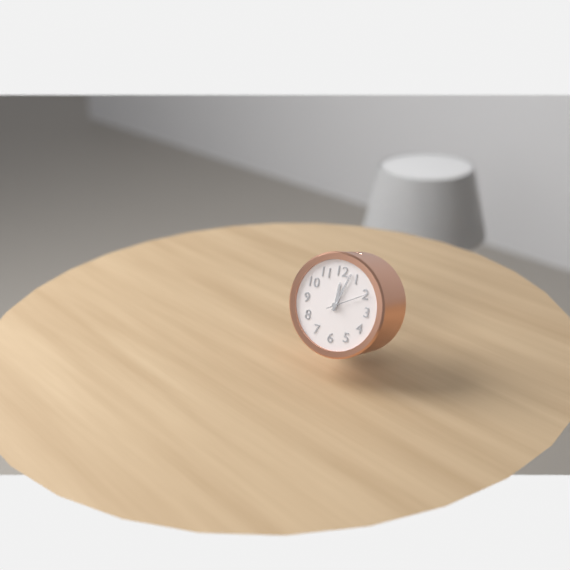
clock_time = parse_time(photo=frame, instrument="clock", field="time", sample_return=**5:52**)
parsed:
**12:03**
